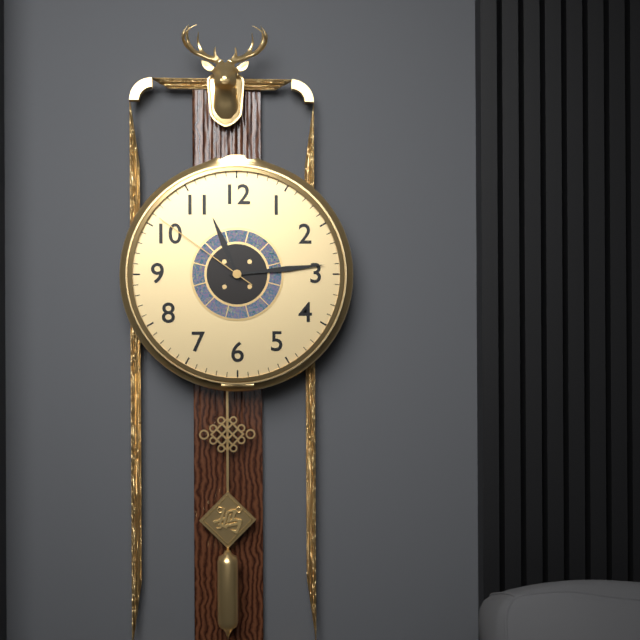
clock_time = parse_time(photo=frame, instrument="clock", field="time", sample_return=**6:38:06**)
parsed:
**11:14:51**
